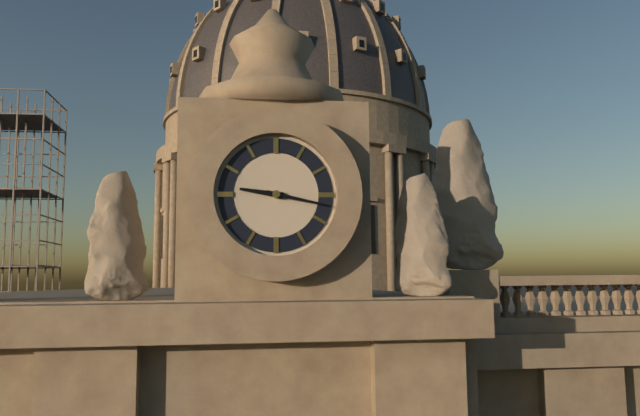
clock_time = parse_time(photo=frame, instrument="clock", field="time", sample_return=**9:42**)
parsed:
**9:17**
